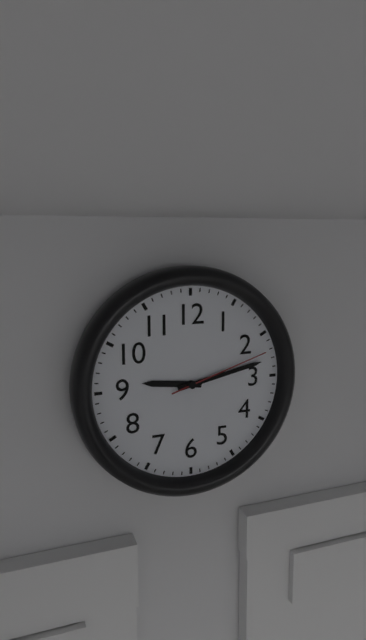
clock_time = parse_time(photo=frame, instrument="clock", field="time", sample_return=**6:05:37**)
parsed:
**9:13:12**
